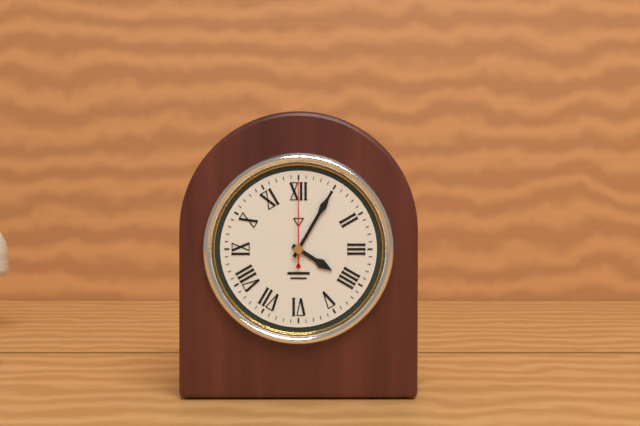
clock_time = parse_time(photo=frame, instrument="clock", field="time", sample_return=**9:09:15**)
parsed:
**4:05:00**
